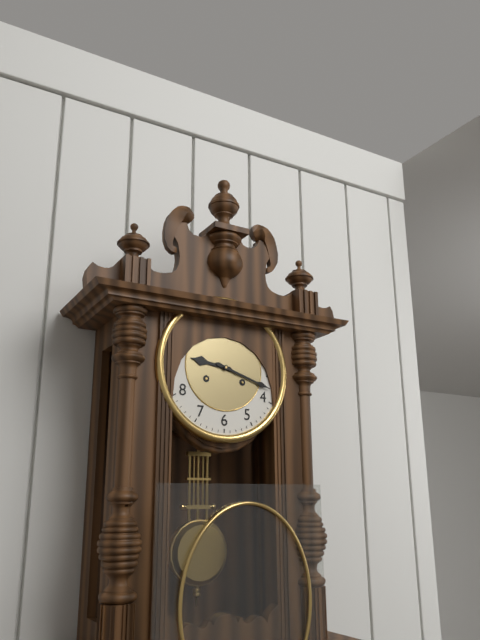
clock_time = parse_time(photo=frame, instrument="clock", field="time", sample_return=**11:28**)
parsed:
**9:18**
